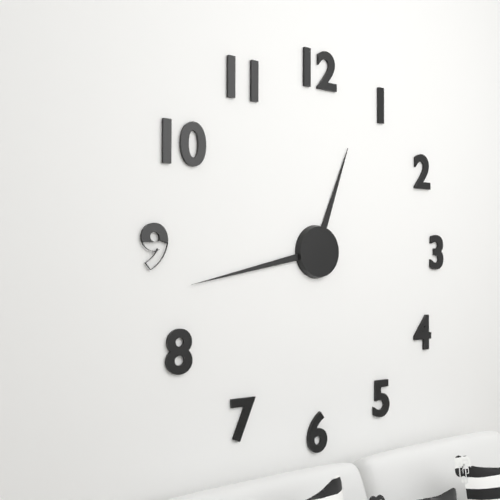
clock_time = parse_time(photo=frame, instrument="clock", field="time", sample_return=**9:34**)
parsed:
**12:43**
